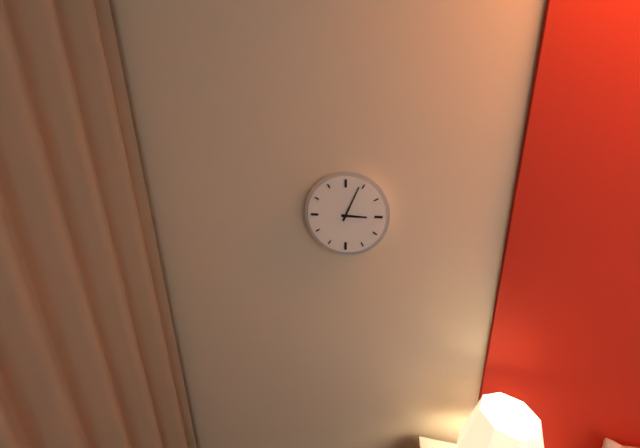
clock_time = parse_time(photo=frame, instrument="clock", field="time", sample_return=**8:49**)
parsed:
**3:04**
